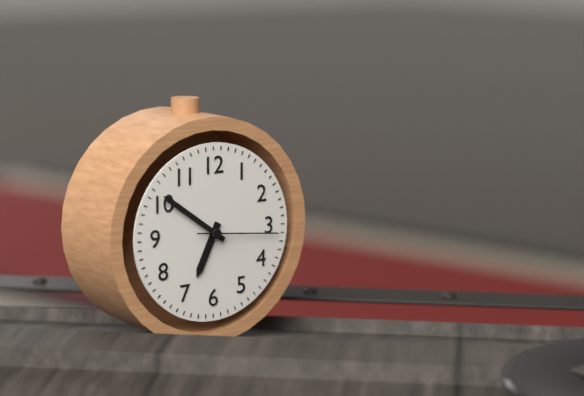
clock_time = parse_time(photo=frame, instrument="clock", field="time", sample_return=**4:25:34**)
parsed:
**6:51:16**
